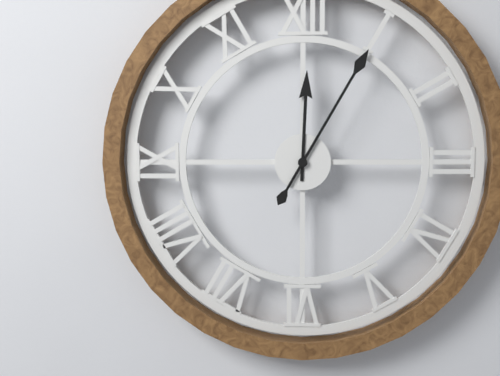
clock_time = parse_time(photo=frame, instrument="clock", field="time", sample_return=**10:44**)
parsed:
**12:05**
